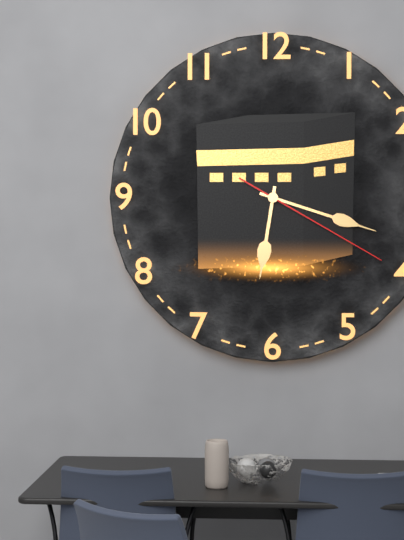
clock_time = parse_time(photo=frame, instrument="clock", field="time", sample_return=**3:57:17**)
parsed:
**6:18:20**
